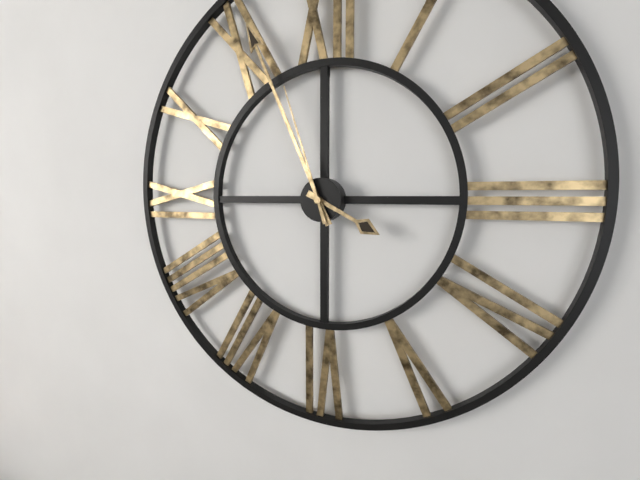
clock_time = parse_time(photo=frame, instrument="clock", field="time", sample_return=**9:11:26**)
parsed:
**3:56:57**
